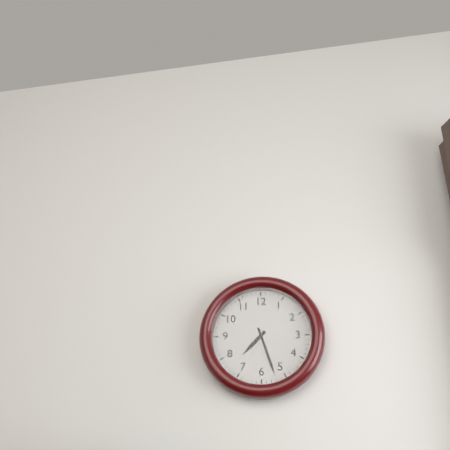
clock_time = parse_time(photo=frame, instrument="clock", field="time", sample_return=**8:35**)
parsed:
**7:27**
